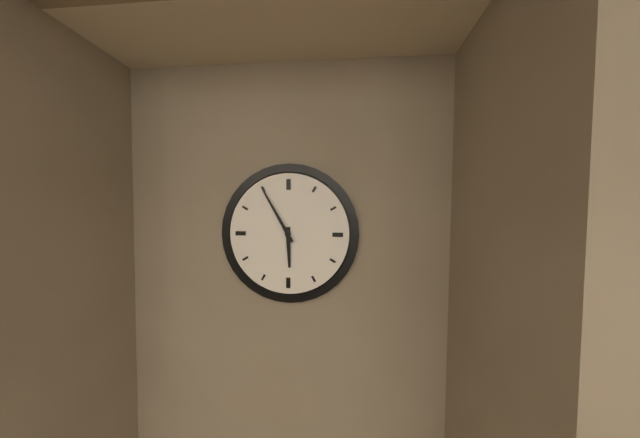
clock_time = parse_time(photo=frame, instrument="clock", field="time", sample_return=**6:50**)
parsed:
**5:55**
